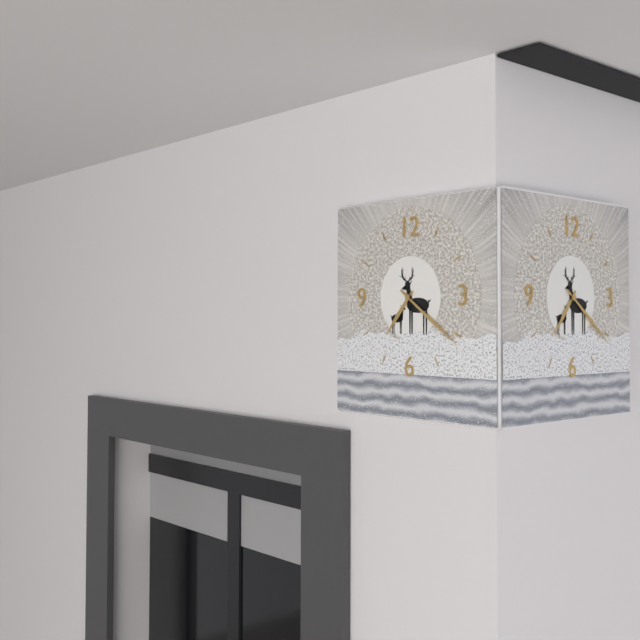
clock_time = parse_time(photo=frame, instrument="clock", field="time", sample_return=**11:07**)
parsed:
**7:21**
